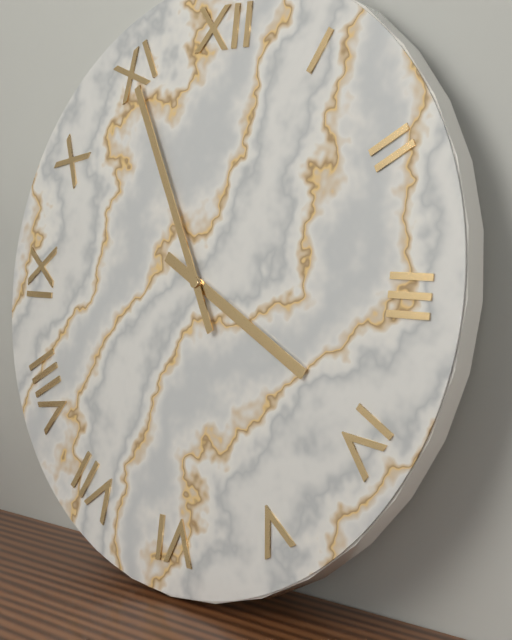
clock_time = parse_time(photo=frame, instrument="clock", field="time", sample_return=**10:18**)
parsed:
**3:55**
